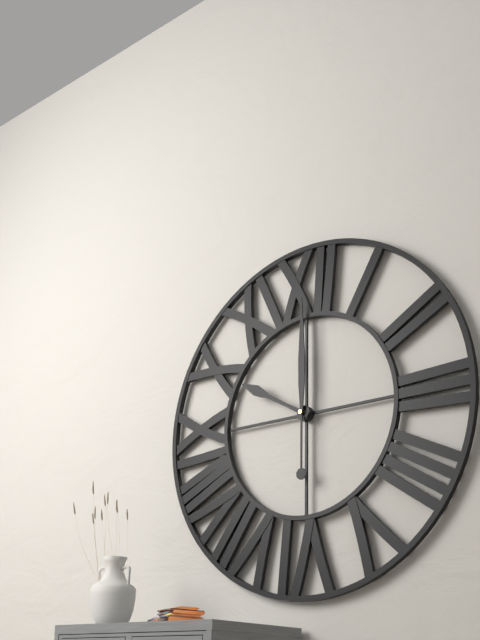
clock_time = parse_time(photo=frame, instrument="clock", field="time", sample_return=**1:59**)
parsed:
**10:00**
